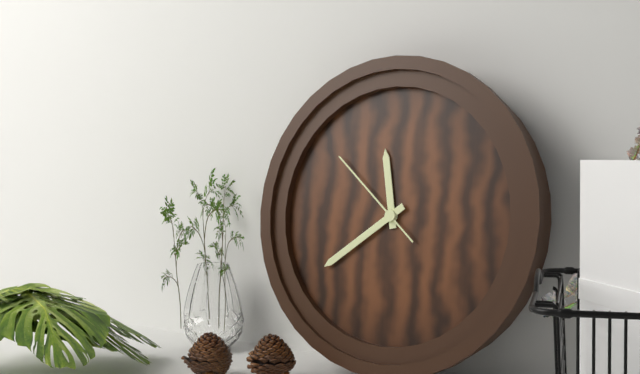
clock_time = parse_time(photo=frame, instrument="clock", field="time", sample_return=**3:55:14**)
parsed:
**11:39:52**
